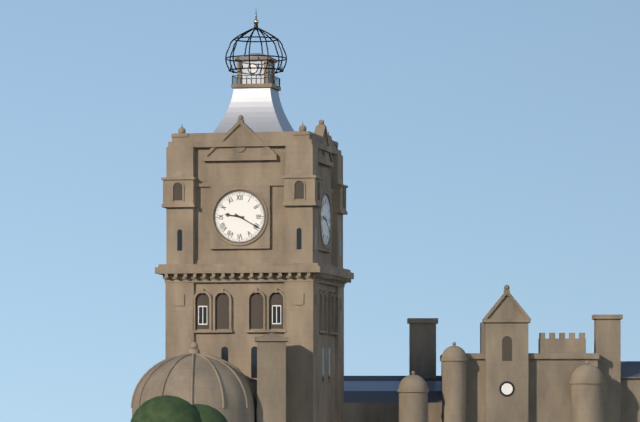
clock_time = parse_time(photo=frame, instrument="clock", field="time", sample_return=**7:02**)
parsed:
**9:20**
